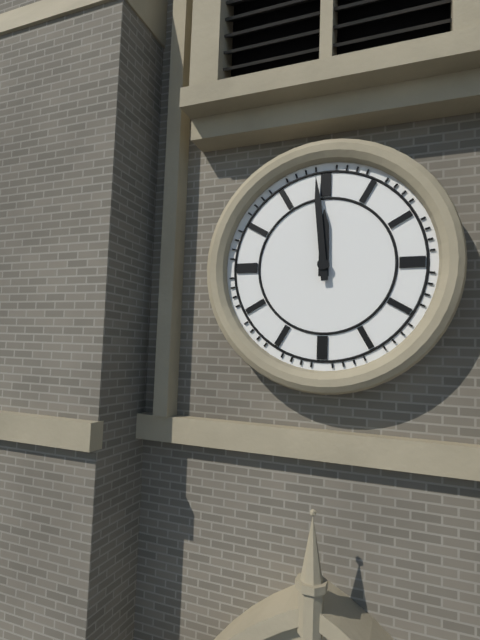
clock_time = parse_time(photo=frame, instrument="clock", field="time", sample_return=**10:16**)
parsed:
**11:59**
